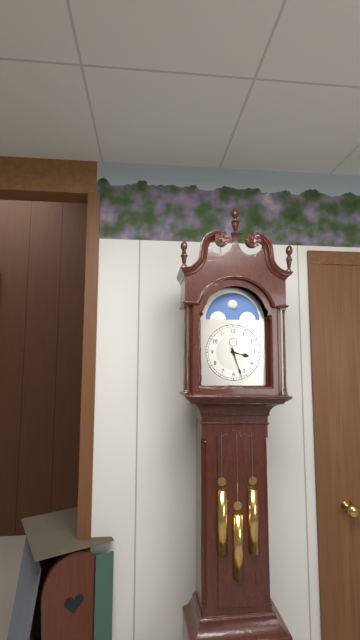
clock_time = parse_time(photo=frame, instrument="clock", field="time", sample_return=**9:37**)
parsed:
**3:27**
